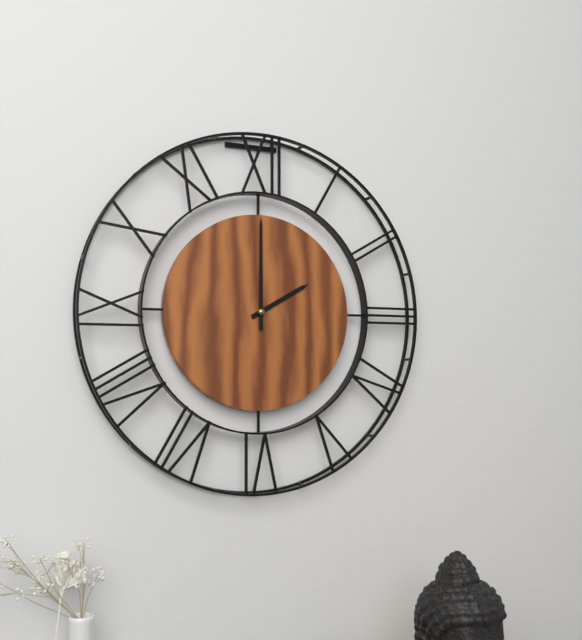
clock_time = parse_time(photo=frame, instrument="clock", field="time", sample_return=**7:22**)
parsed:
**2:00**
